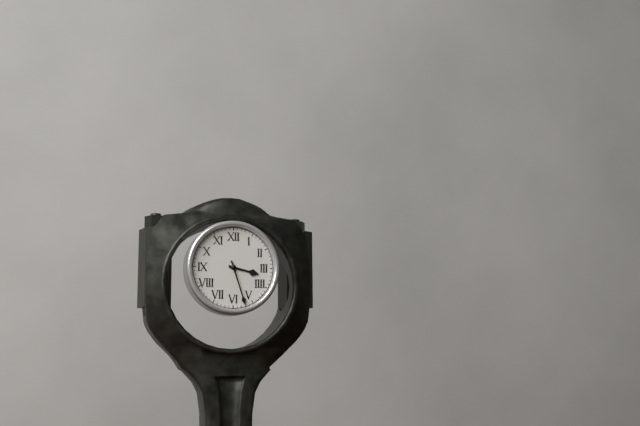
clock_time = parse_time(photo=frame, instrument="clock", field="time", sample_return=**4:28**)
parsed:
**3:27**
